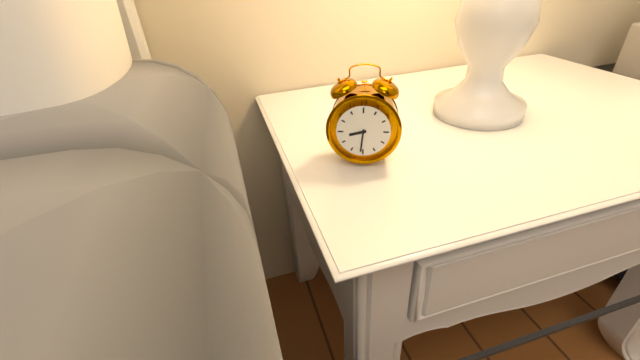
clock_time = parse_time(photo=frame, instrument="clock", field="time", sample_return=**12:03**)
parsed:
**8:31**
